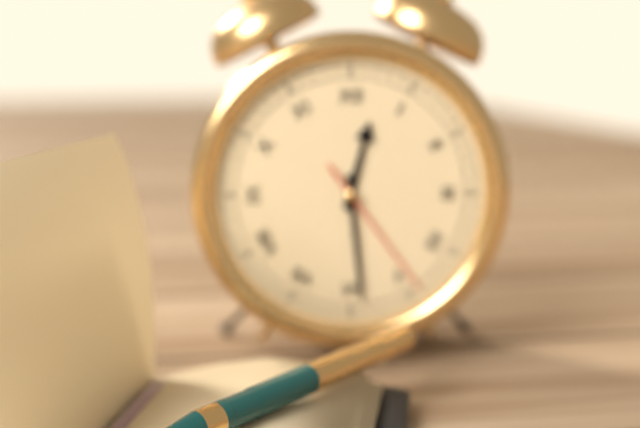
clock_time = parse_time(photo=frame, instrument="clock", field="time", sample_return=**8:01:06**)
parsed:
**12:29:24**
